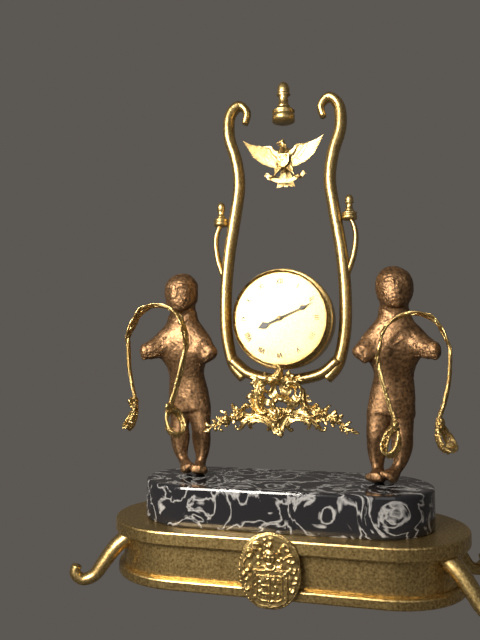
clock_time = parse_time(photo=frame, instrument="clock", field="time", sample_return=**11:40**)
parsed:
**8:11**
